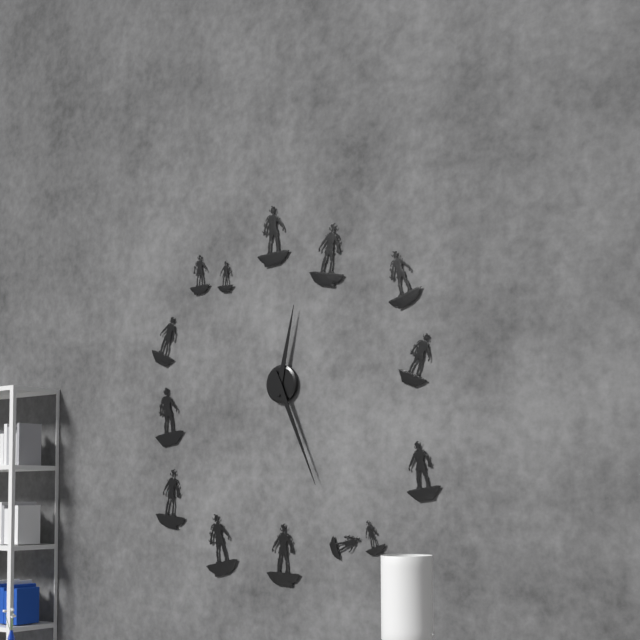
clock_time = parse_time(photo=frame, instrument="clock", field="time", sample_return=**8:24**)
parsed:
**12:26**
